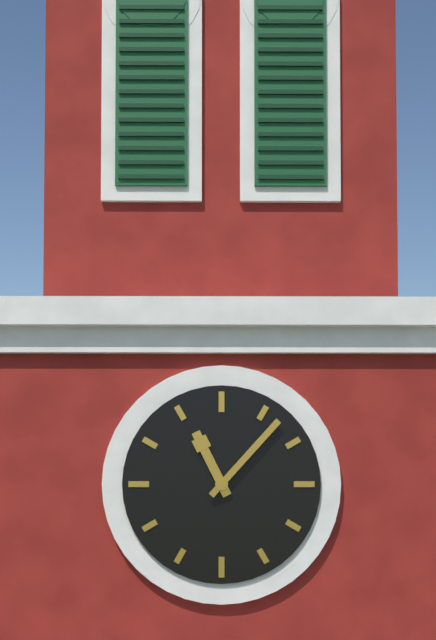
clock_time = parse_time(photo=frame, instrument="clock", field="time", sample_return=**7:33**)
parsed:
**11:07**
